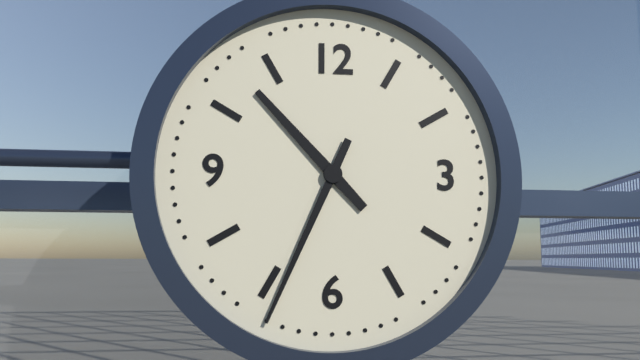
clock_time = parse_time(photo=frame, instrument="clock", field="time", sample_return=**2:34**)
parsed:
**10:34**
